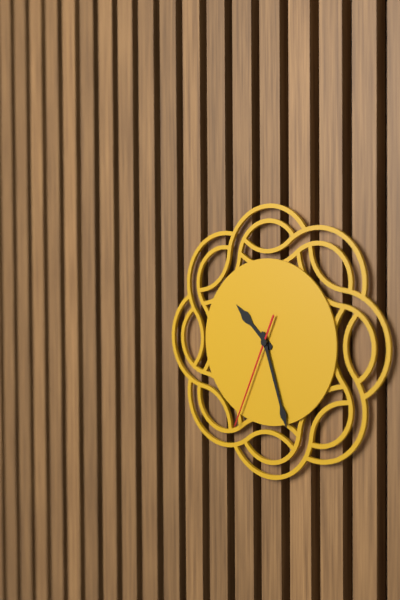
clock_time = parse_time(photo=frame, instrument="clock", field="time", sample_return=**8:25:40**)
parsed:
**10:27:34**
